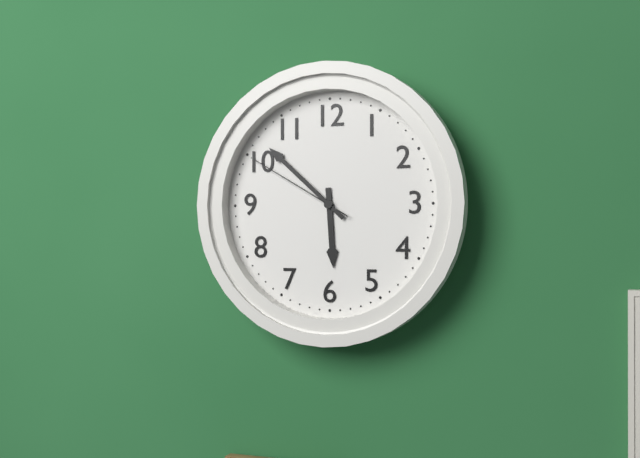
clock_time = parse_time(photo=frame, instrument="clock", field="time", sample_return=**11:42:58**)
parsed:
**5:52:50**
